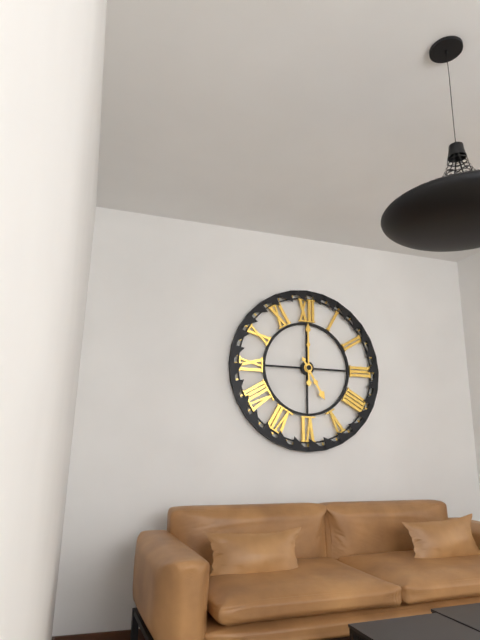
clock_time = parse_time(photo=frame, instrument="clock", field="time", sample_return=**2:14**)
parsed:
**5:00**
